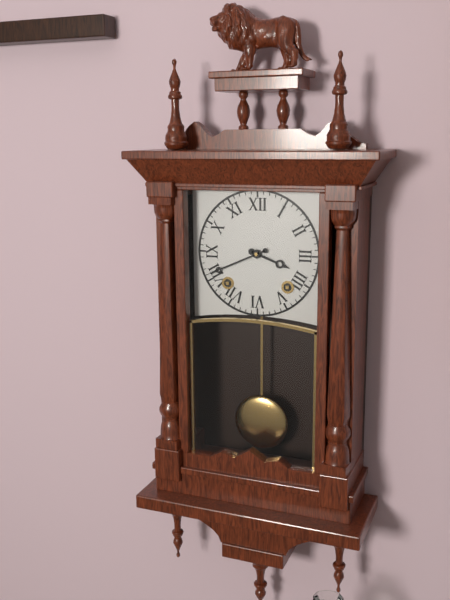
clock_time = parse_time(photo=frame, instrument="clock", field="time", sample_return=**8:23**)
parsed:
**3:41**
